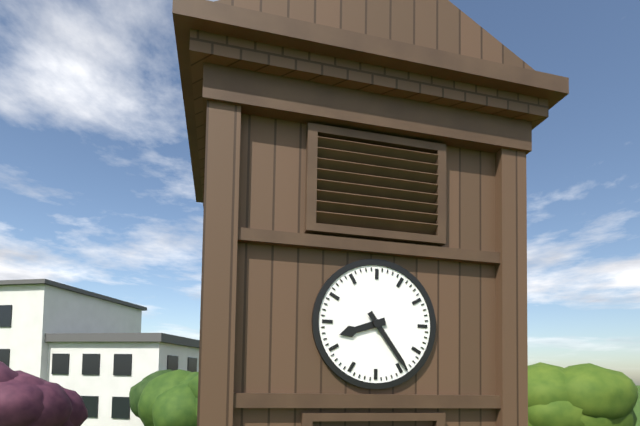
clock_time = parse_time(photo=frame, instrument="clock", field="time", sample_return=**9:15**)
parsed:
**8:24**
